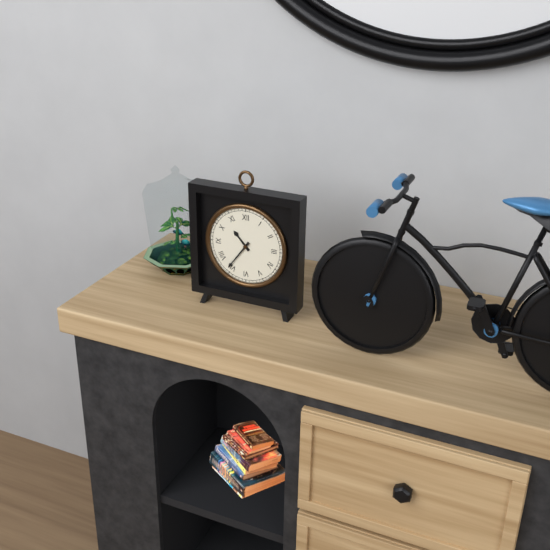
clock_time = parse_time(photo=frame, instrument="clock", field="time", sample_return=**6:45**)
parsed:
**10:36**
